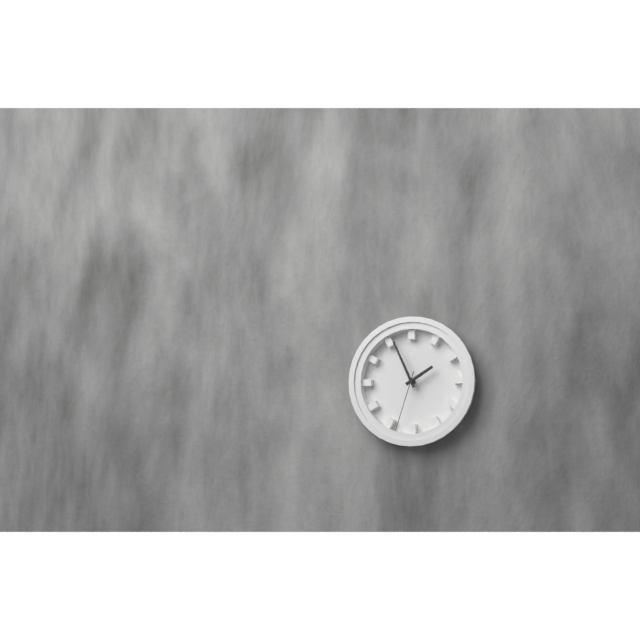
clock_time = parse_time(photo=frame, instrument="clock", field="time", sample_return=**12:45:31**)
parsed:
**1:56:33**
